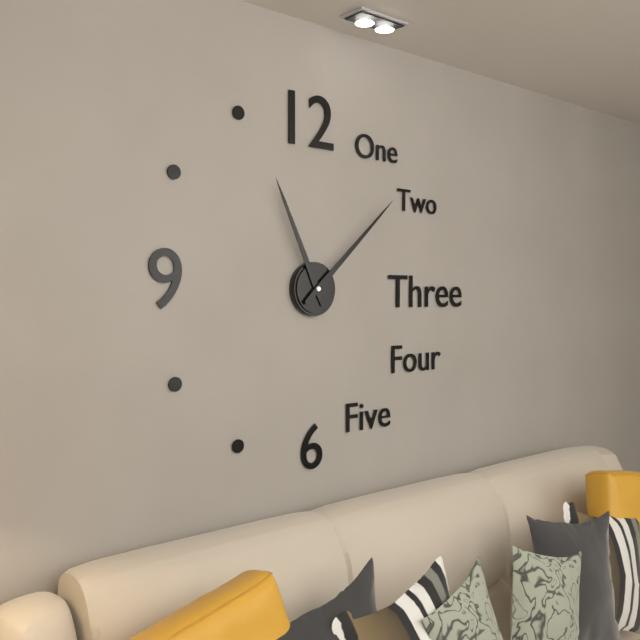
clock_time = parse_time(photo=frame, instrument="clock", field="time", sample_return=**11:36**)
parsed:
**11:08**
